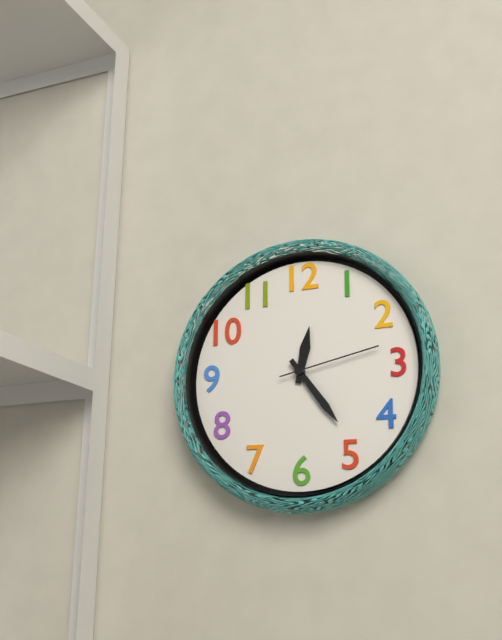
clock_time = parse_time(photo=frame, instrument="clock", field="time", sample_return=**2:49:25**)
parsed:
**12:24:13**
